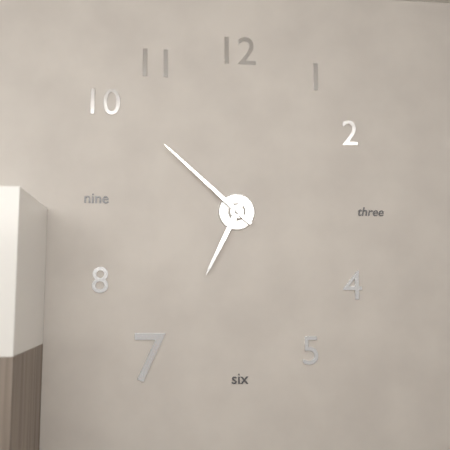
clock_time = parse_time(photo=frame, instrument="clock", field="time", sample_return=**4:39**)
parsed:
**6:52**
